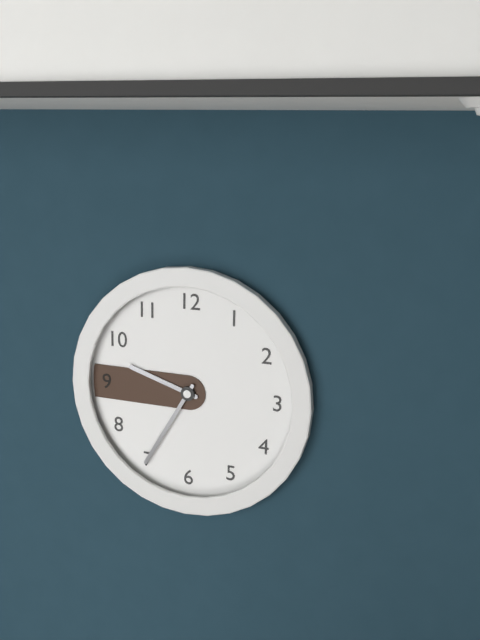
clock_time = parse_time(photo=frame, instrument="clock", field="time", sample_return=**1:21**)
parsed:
**9:35**
